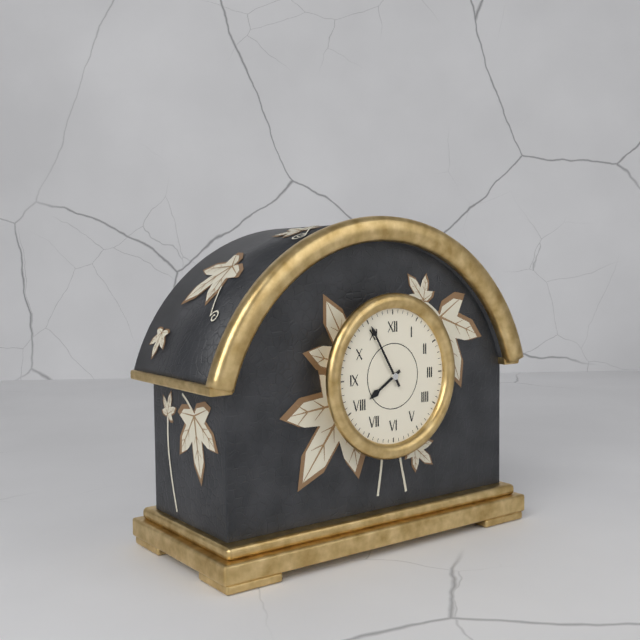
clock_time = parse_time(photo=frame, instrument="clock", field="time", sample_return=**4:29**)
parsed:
**7:55**
